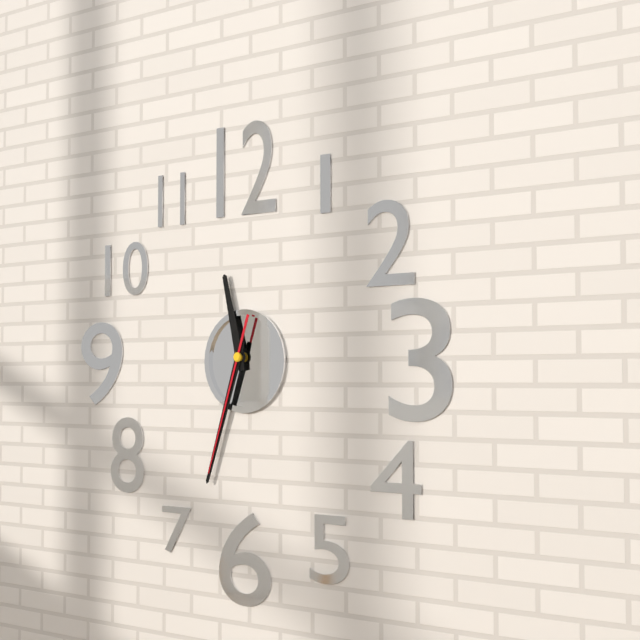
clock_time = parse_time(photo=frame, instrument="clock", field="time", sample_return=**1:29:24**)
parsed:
**11:33:33**
